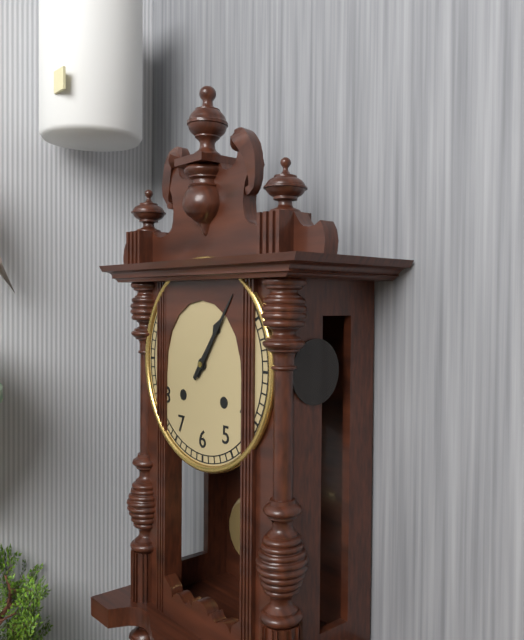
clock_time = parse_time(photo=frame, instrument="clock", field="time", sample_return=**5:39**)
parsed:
**1:06**
